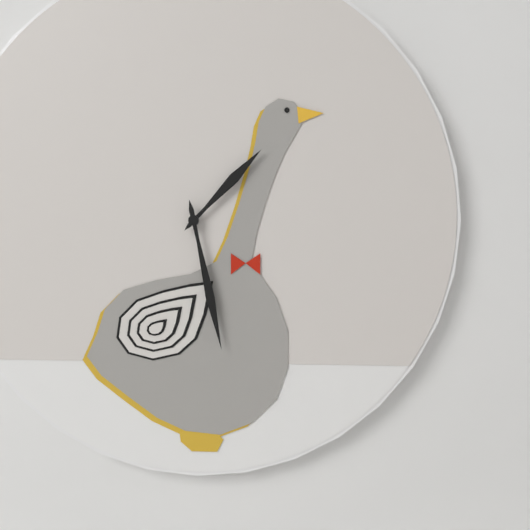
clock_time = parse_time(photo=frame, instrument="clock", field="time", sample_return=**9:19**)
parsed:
**1:28**
